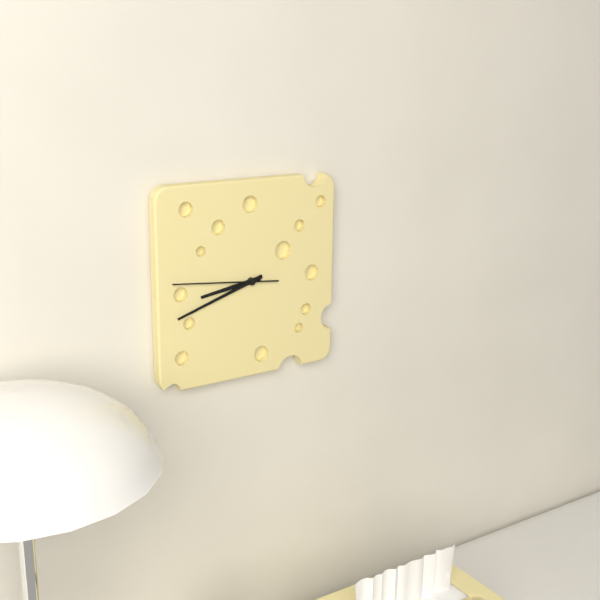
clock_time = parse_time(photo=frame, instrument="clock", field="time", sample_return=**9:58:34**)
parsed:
**8:42:46**
